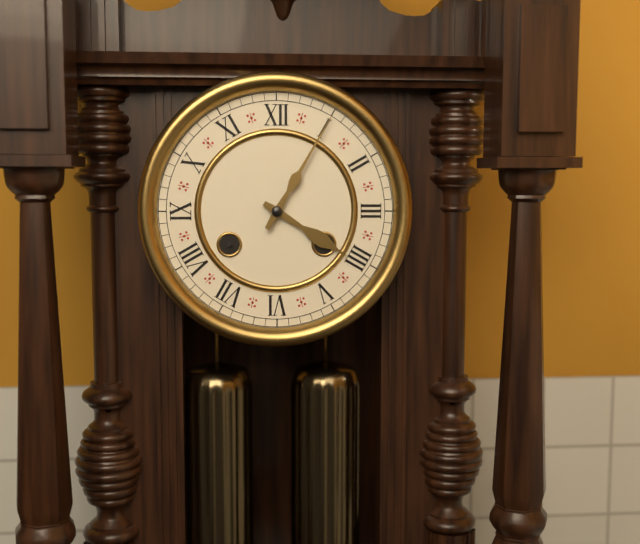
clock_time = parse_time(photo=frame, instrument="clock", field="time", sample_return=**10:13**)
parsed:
**4:05**
